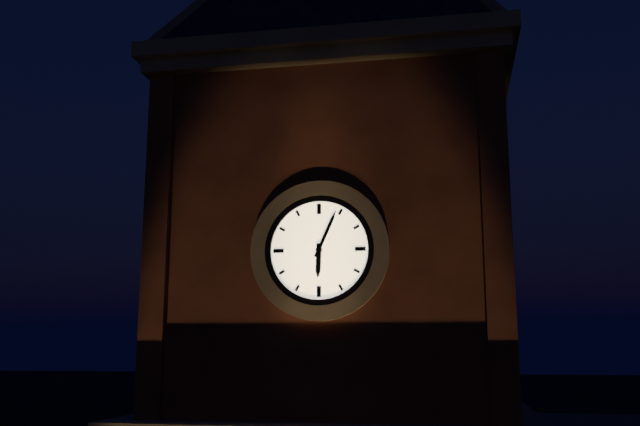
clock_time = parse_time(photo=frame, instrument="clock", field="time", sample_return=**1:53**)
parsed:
**6:04**
